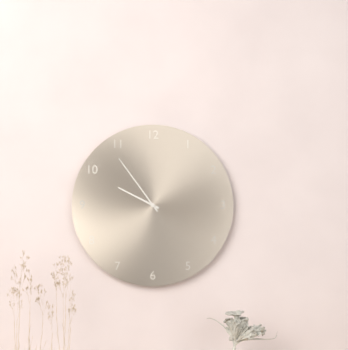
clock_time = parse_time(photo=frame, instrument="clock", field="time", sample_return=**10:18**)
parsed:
**9:54**
